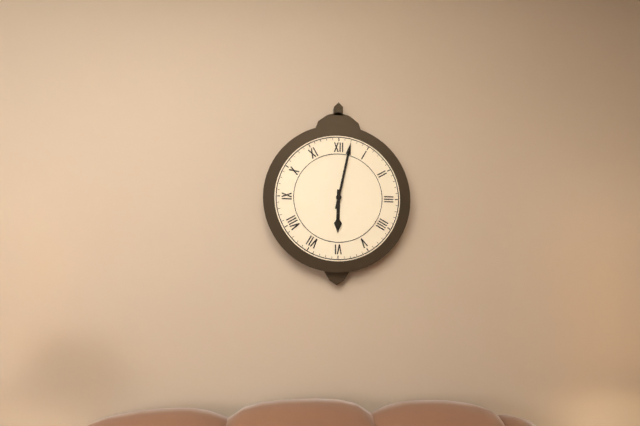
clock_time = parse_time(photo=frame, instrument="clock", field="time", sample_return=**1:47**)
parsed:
**6:02**
